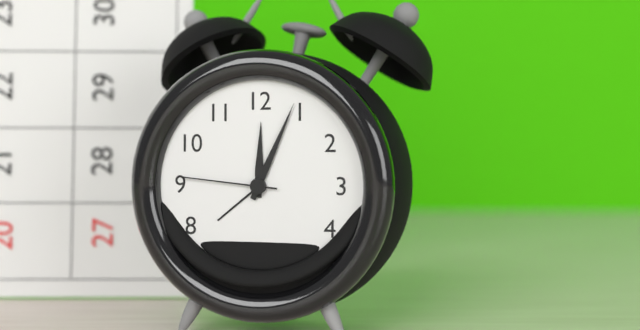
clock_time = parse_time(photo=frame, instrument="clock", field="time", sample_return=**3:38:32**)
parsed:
**12:04:46**
